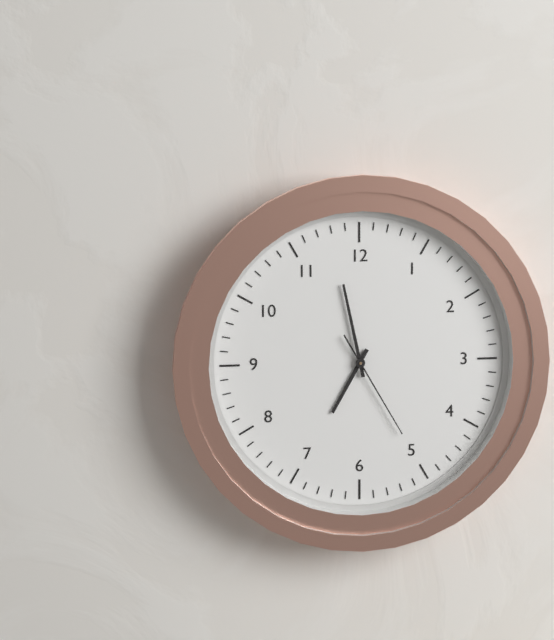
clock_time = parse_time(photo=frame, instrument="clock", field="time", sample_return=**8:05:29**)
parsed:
**6:58:25**
